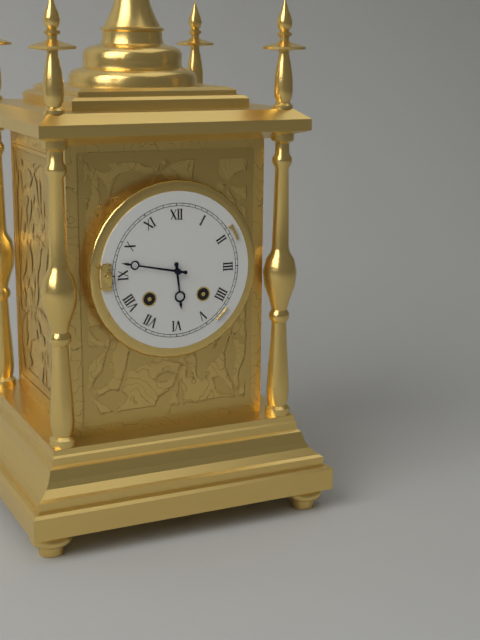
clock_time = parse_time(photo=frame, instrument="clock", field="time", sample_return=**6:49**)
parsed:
**5:47**
